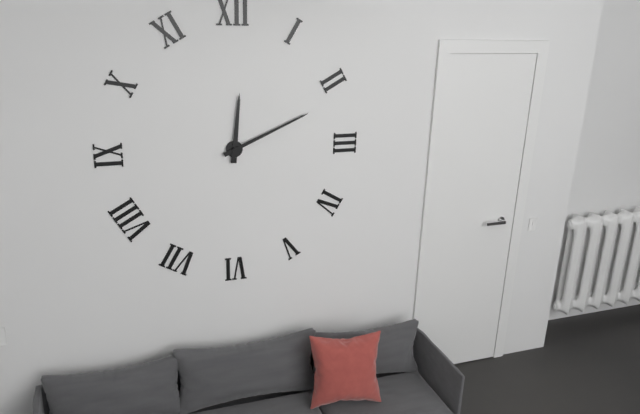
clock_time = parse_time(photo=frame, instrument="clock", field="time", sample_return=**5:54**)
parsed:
**12:11**
